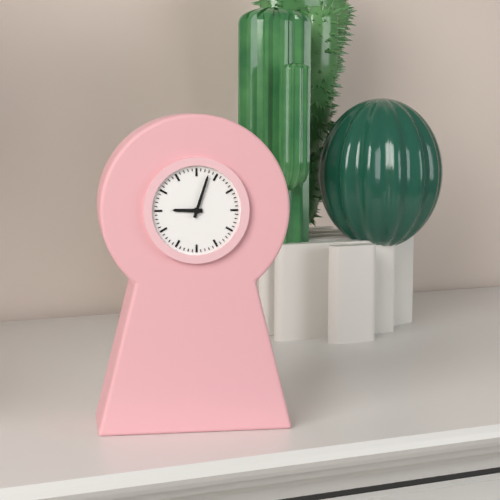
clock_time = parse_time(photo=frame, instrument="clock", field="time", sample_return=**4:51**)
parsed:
**9:03**
